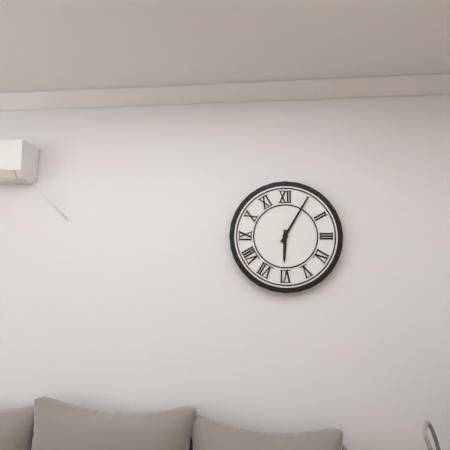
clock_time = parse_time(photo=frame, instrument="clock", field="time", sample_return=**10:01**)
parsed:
**6:05**
